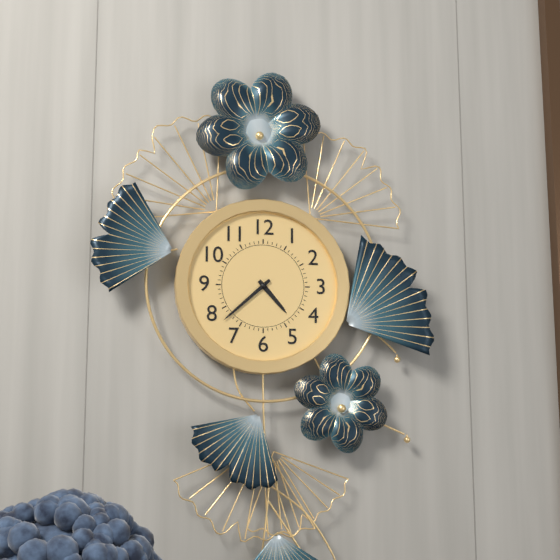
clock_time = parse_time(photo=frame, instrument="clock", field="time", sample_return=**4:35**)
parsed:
**4:38**
